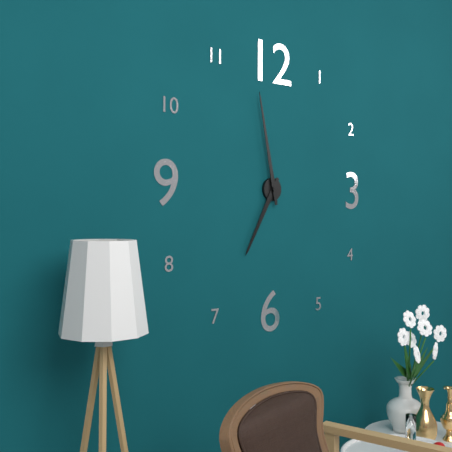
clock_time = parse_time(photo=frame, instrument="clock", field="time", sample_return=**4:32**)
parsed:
**6:58**
